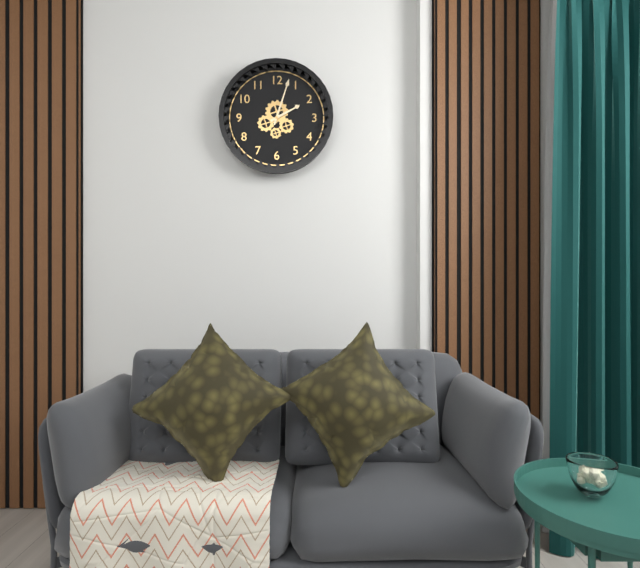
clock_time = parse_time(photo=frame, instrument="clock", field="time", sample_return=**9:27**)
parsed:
**2:03**
